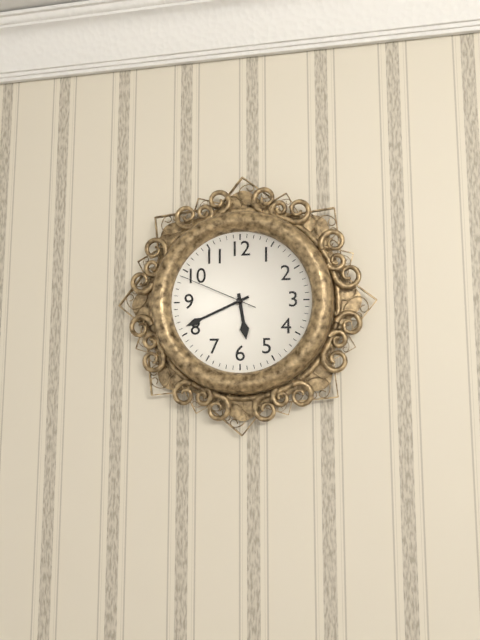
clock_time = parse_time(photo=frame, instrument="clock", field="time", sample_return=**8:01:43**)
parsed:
**5:41:49**
